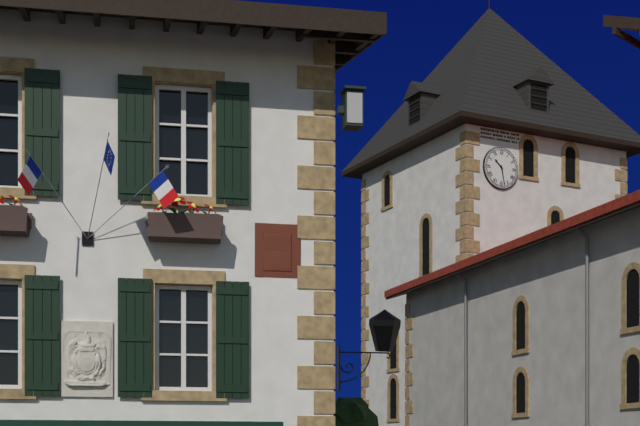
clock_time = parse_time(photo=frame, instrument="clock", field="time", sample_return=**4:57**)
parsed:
**10:28**
